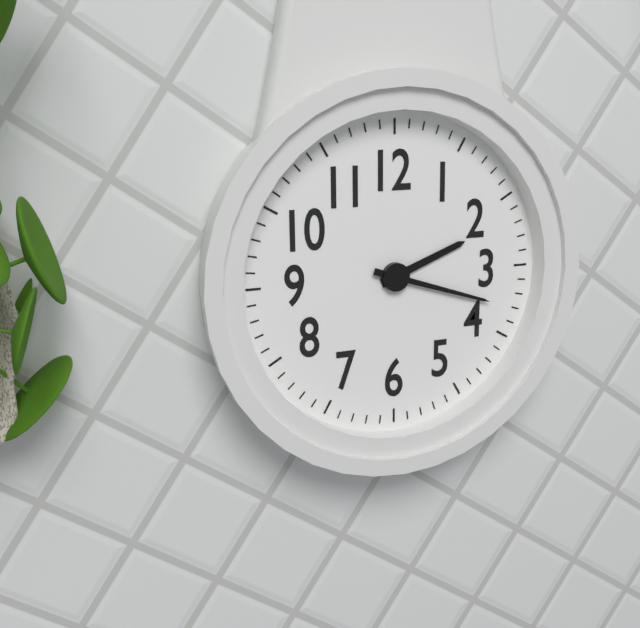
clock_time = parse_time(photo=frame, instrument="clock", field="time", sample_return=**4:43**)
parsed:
**2:18**
